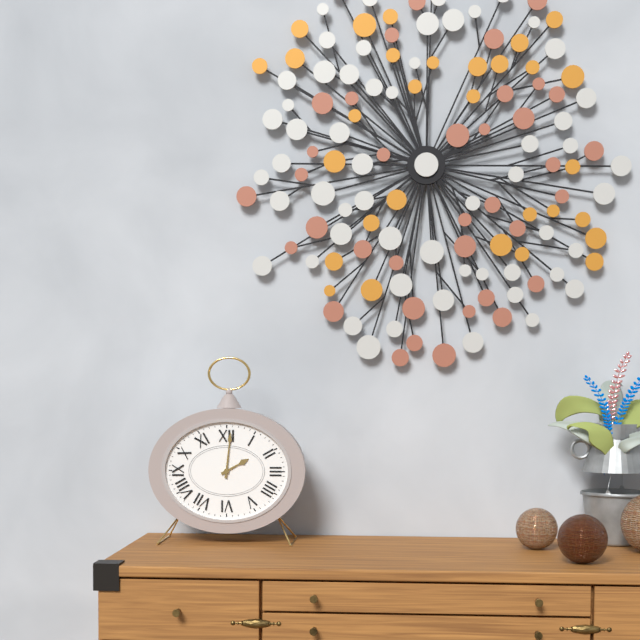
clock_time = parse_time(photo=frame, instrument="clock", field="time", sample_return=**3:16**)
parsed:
**2:01**
